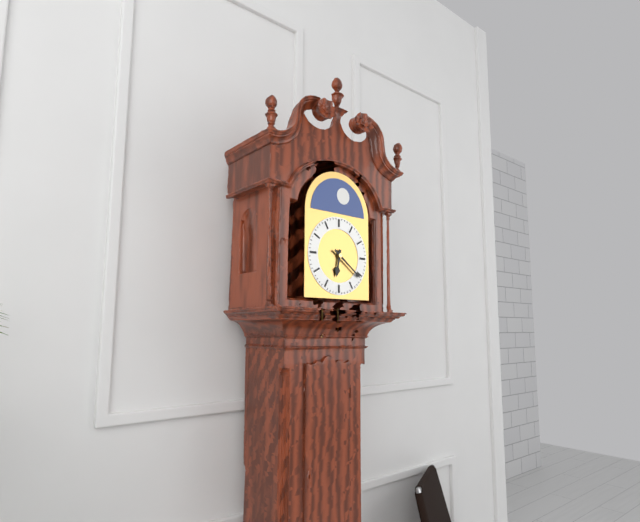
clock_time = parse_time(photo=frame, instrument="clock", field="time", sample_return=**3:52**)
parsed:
**6:21**
